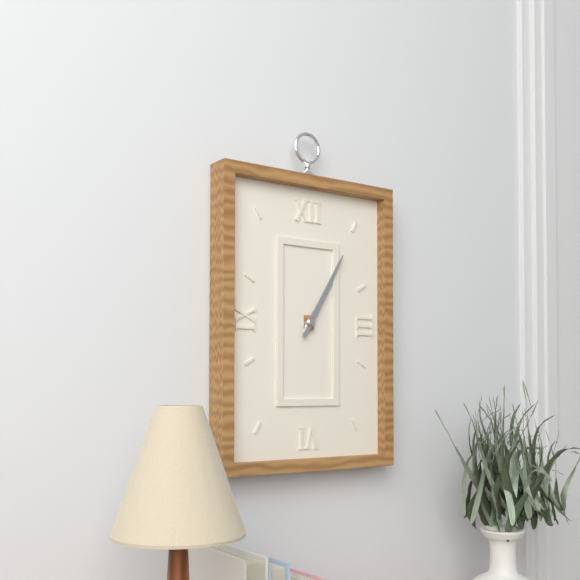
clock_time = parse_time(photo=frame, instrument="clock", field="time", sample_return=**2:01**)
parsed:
**1:05**
